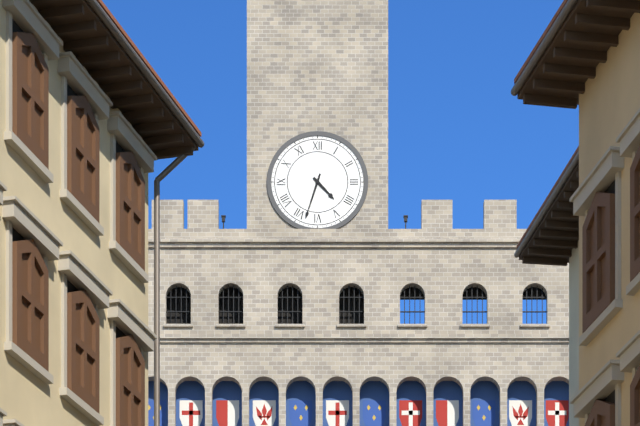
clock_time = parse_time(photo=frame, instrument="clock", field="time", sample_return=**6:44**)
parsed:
**4:33**
